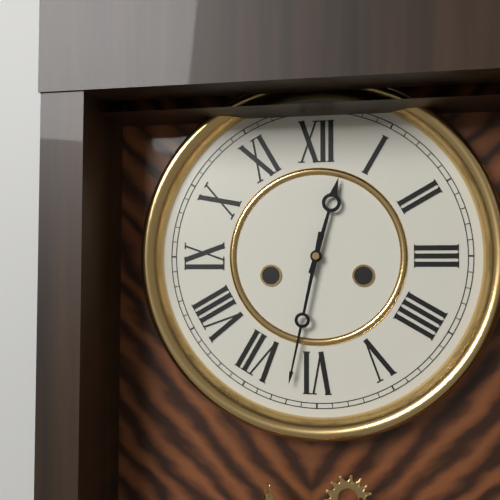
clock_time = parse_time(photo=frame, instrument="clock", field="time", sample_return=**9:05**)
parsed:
**12:32**
